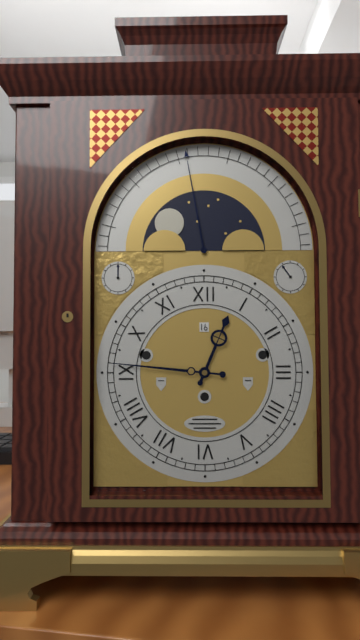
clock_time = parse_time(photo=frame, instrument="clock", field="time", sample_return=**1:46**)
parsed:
**12:46**
